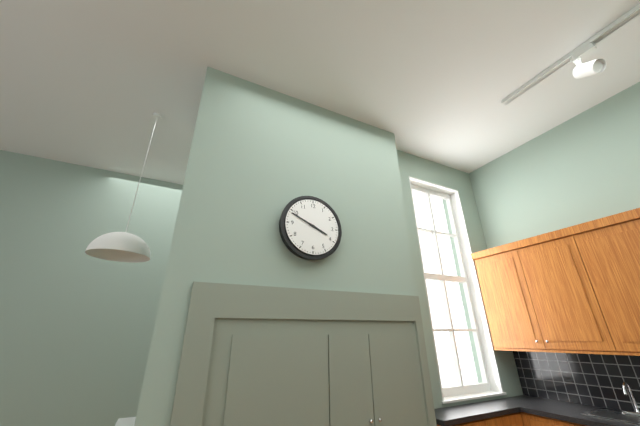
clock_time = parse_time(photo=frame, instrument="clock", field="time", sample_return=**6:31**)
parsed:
**3:49**
